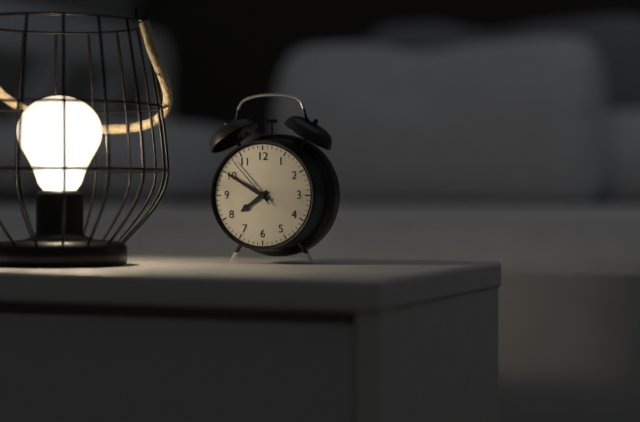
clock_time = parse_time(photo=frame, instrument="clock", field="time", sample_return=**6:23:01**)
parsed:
**7:50:53**
